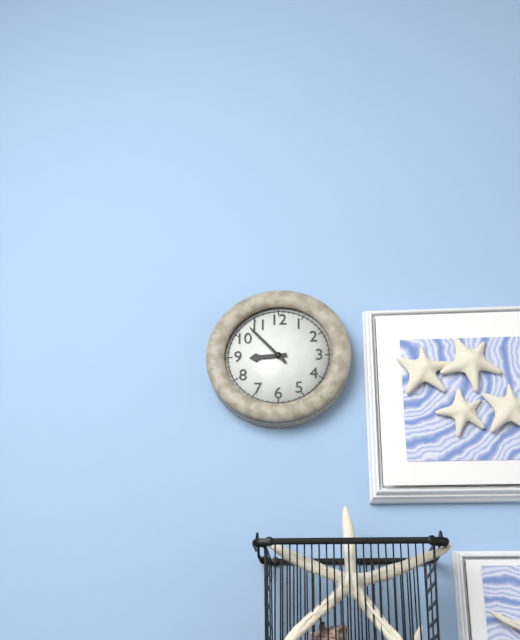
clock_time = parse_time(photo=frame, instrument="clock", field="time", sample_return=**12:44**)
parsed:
**8:53**
